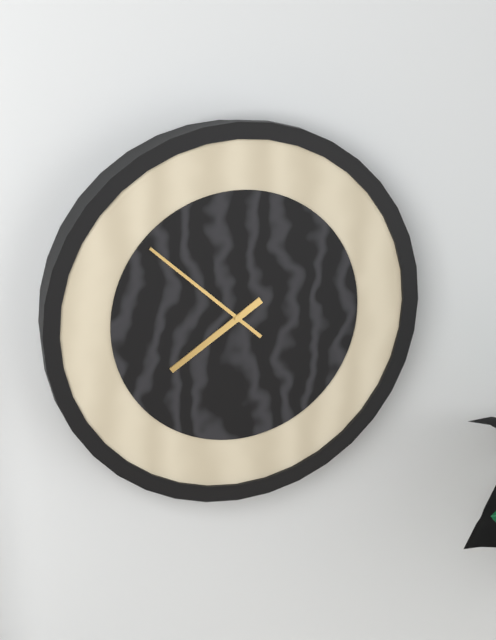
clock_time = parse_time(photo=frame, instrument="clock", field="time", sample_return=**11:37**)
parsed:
**7:52**
